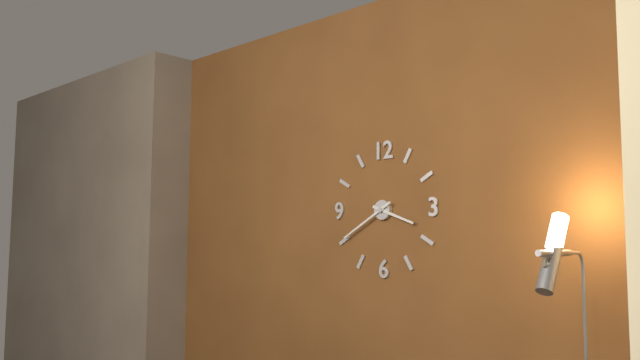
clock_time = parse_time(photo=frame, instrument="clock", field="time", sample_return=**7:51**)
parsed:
**3:40**
